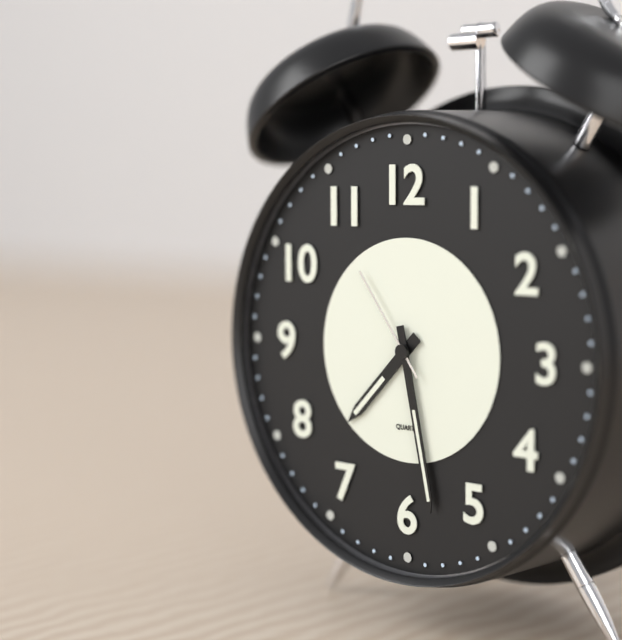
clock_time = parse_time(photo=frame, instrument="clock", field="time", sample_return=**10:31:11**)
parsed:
**7:28:54**
